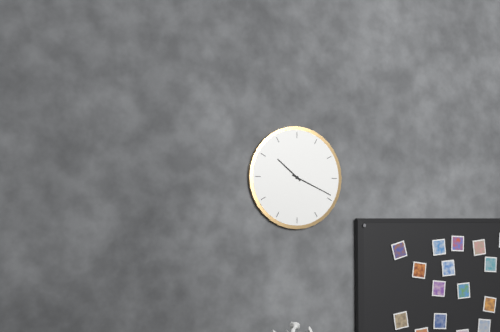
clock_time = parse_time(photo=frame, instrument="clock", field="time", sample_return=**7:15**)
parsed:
**10:19**
